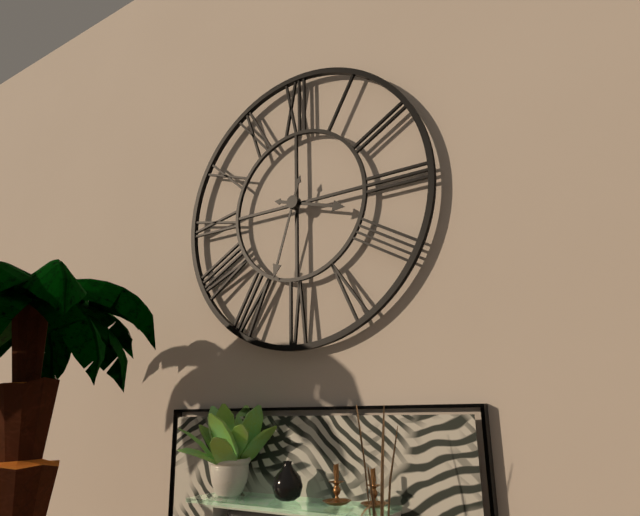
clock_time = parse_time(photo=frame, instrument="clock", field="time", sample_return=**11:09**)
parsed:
**3:33**
